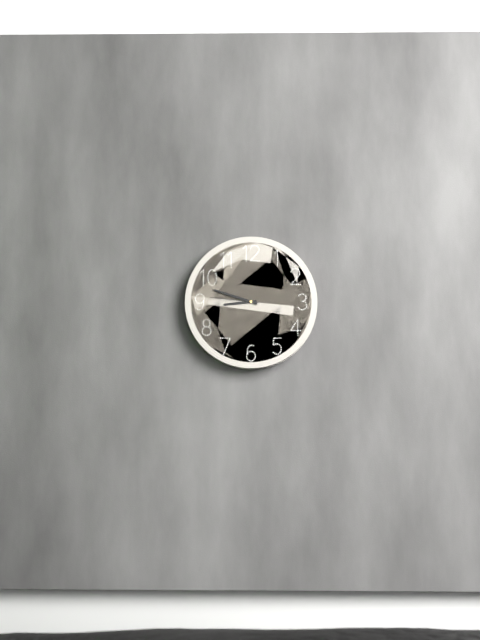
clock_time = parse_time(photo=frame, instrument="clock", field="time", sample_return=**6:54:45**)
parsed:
**8:48:46**
